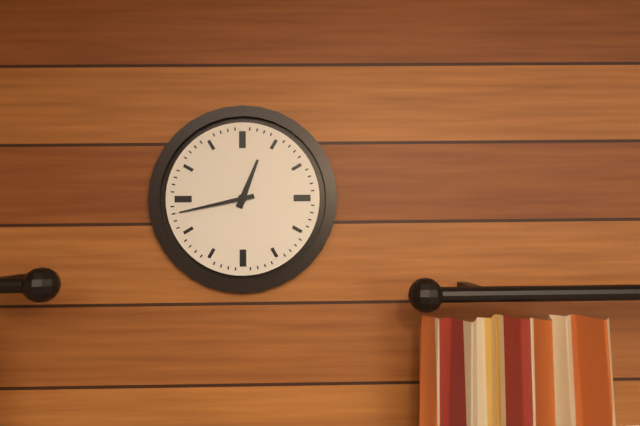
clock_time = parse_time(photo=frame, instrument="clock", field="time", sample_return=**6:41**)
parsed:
**12:43**
